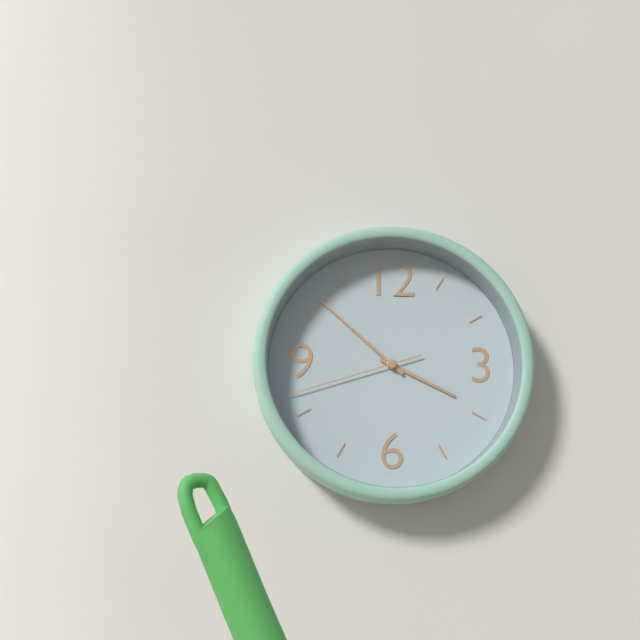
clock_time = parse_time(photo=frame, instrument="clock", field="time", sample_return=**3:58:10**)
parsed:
**3:52:42**
